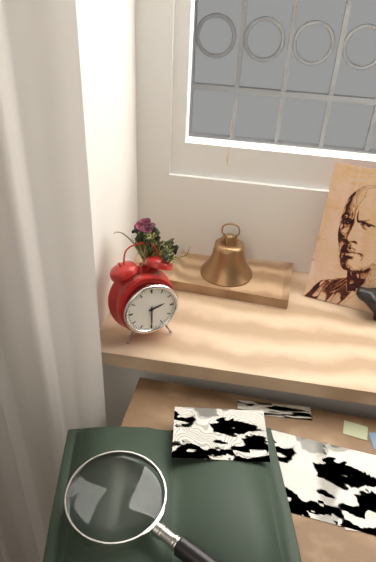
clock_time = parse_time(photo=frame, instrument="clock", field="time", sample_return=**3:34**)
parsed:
**2:30**
